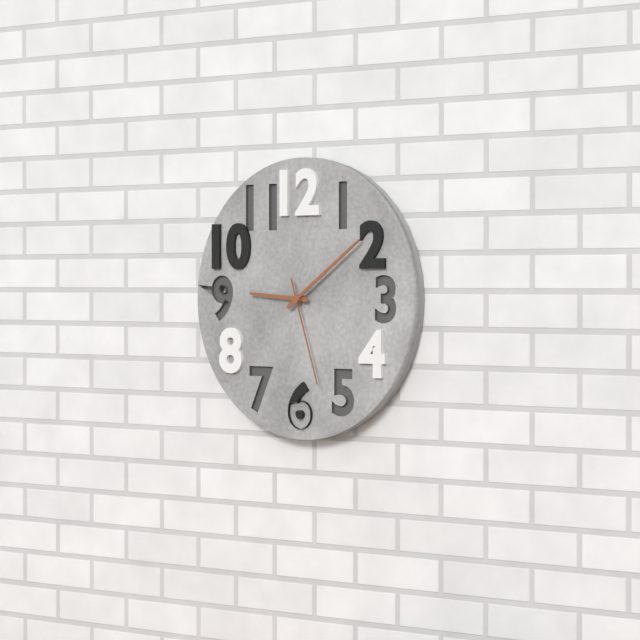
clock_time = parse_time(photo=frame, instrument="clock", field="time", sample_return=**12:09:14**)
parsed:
**9:09:27**
